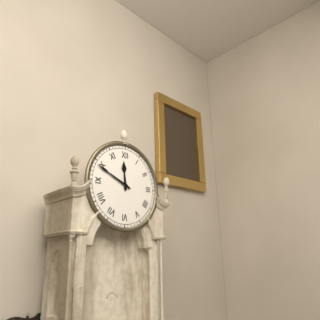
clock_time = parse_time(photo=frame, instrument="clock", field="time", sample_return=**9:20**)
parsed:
**11:49**
